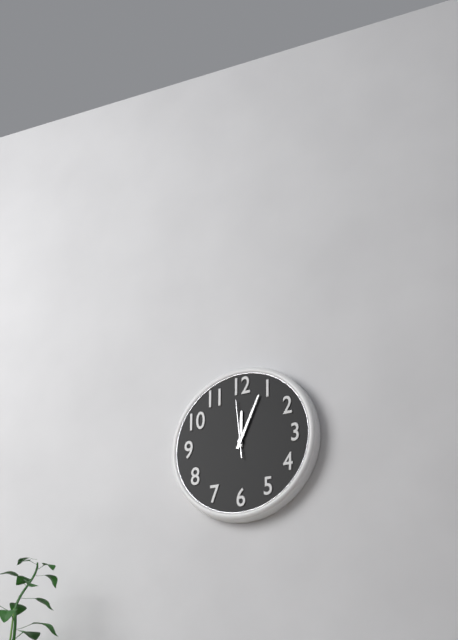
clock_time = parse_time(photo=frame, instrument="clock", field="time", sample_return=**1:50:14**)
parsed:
**12:04:59**
